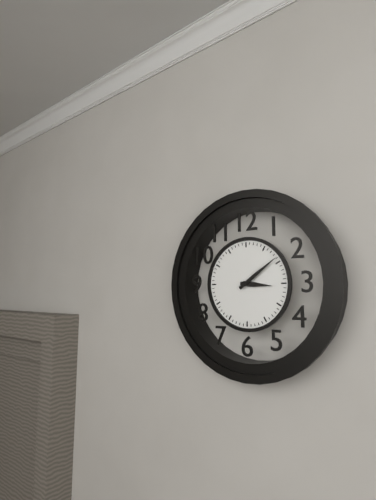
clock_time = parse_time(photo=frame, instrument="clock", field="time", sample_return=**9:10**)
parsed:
**3:09**
